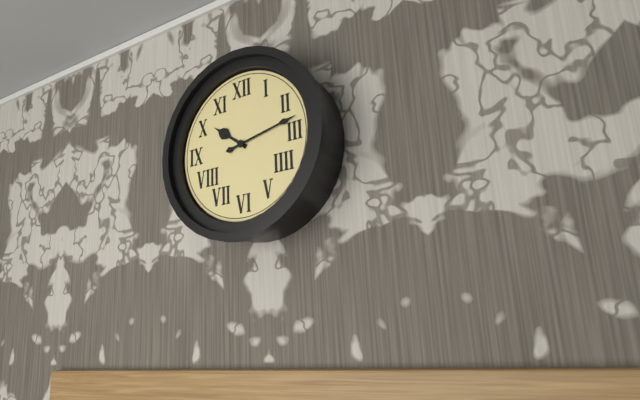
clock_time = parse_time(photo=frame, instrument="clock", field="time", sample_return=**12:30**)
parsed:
**10:13**
